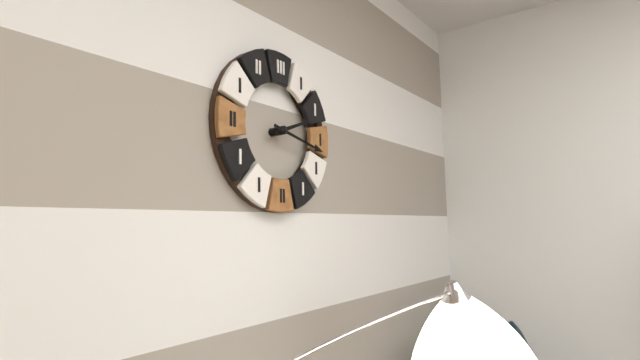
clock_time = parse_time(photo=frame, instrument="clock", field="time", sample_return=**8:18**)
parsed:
**2:17**
